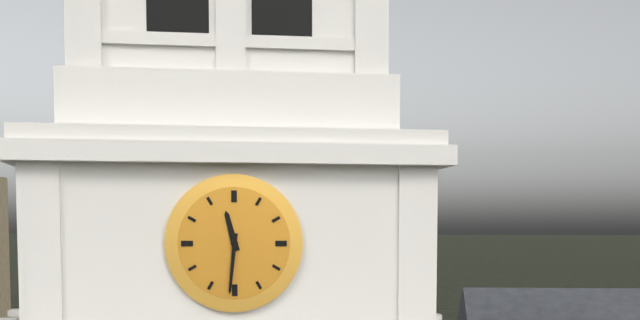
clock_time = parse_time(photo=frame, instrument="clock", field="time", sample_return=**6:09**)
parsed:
**11:31**
